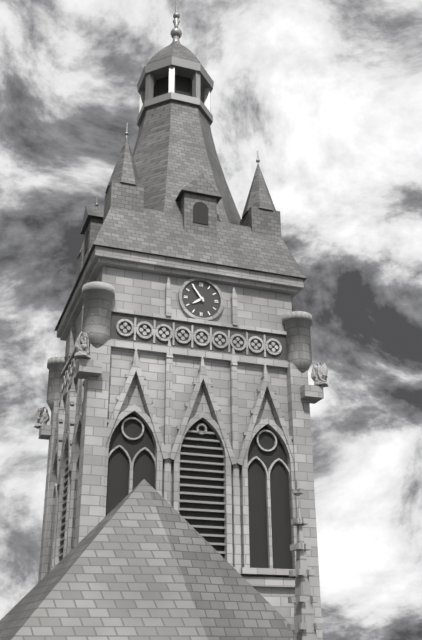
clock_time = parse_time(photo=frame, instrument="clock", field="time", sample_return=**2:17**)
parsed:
**7:54**
